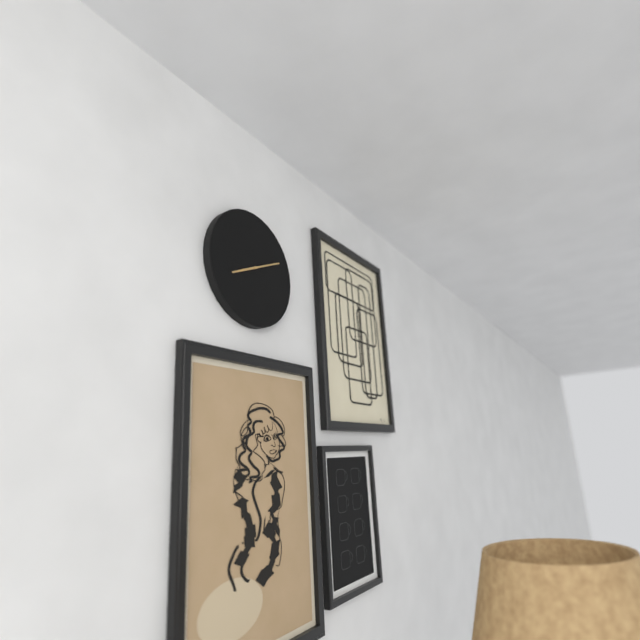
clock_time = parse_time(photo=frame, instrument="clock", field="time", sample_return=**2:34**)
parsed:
**8:11**
